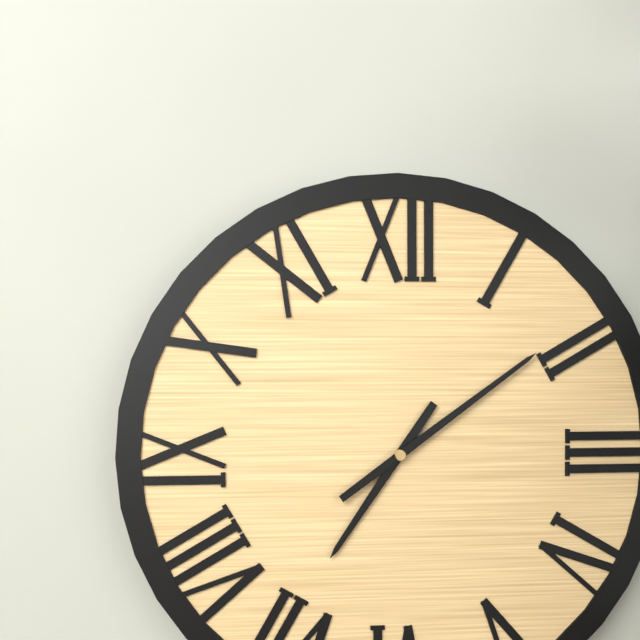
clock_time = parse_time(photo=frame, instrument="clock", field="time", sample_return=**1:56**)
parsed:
**7:09**
